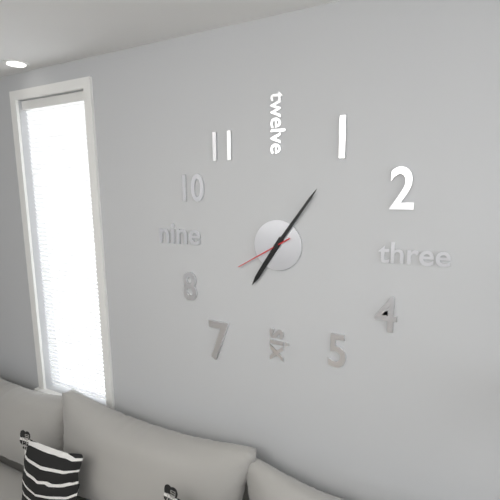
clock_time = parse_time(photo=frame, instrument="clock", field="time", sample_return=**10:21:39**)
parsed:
**7:06:40**
